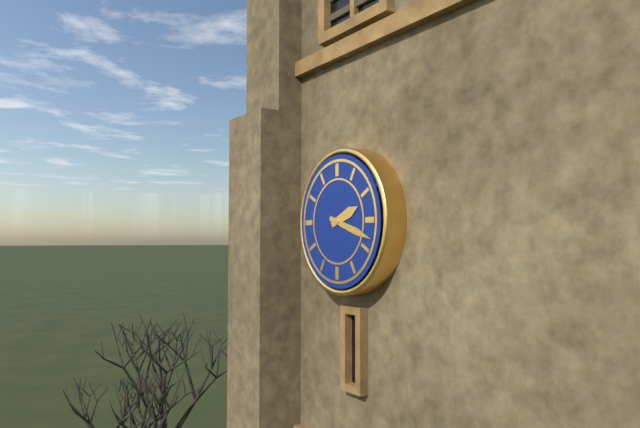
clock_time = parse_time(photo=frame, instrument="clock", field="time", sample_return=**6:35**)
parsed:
**2:18**
